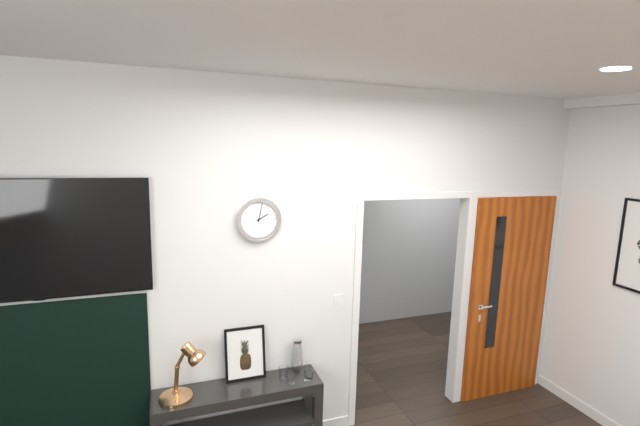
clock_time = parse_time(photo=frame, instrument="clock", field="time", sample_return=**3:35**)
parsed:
**2:02**
